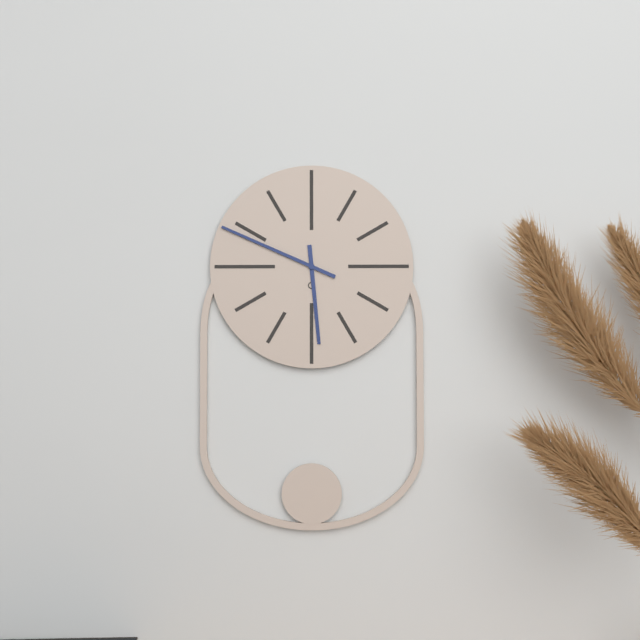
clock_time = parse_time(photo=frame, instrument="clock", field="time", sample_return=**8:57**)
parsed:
**5:49**
